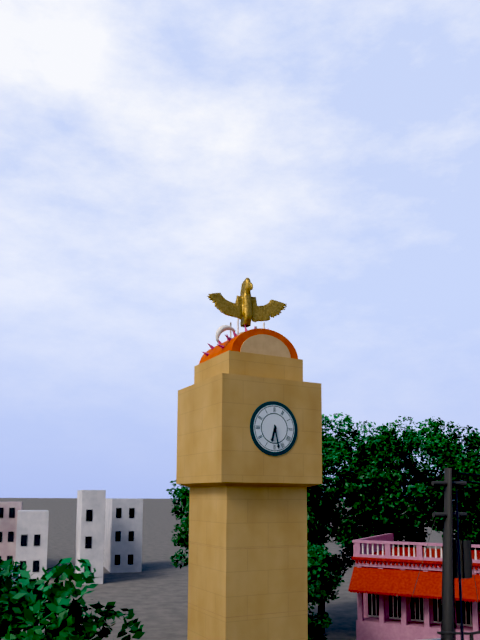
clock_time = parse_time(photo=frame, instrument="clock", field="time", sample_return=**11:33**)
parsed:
**6:28**
